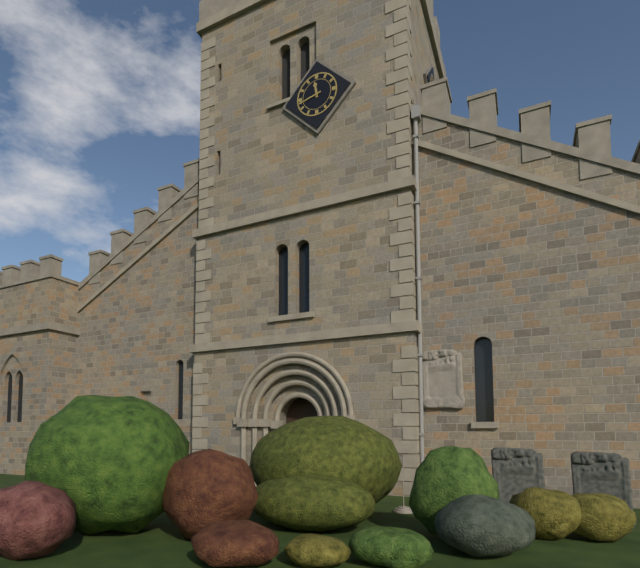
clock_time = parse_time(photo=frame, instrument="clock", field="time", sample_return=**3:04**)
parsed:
**11:43**
